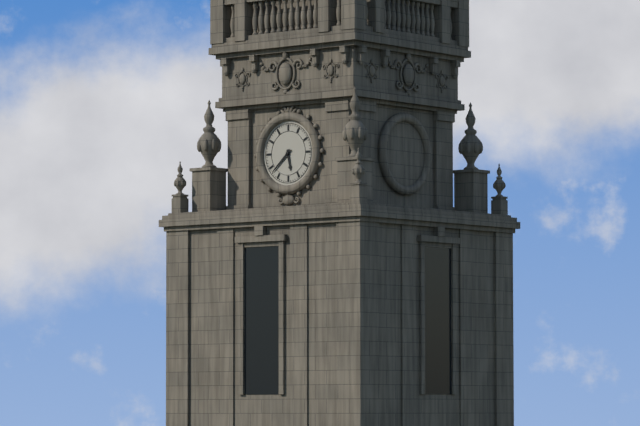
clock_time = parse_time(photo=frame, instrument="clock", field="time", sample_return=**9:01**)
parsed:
**5:38**
